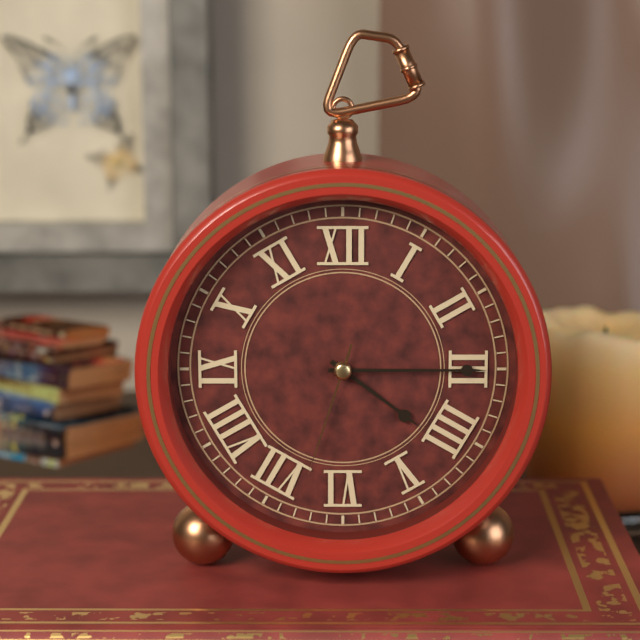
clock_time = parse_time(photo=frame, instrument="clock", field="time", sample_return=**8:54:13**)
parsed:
**4:15:33**
